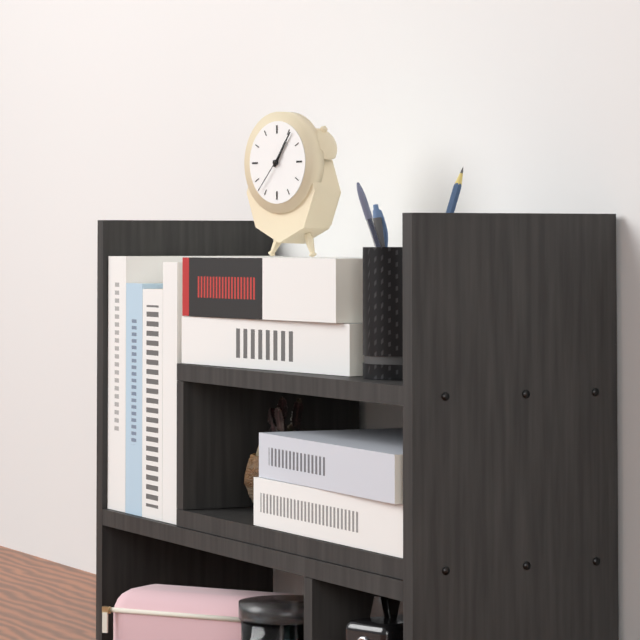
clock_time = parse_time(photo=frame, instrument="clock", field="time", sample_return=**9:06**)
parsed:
**1:06**
